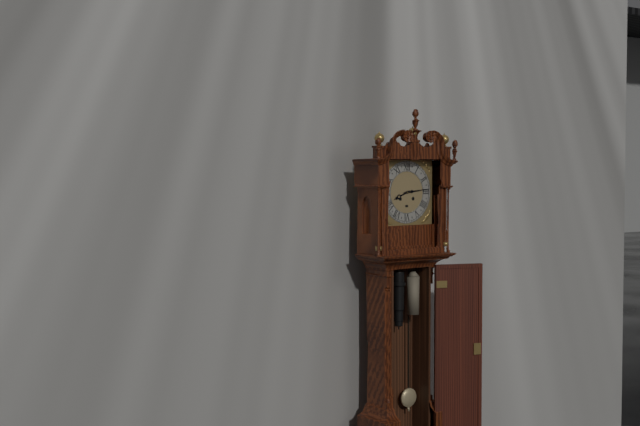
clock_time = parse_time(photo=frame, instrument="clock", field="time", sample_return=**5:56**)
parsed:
**8:14**
